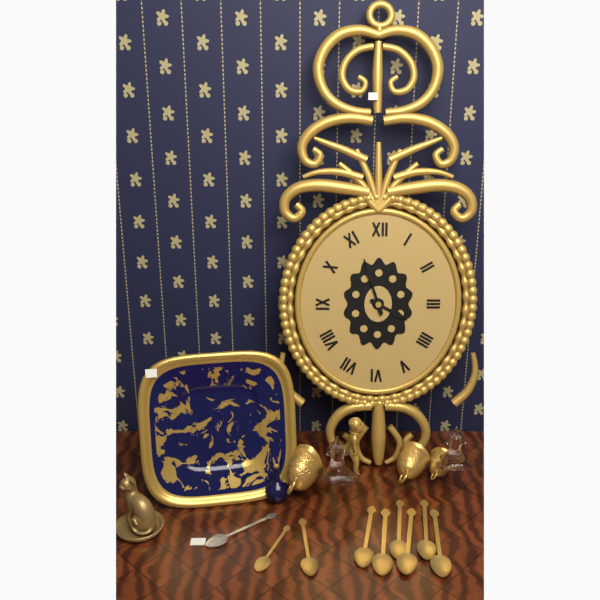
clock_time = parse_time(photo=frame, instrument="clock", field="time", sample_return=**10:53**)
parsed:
**3:57**
